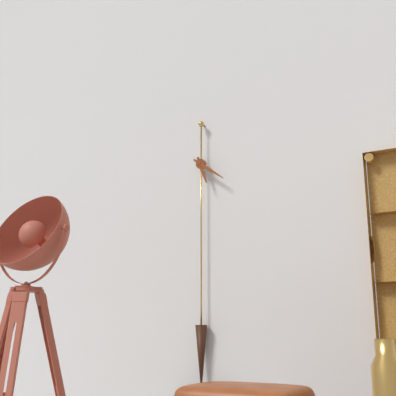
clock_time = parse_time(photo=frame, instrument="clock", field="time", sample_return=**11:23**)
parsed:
**5:21**
